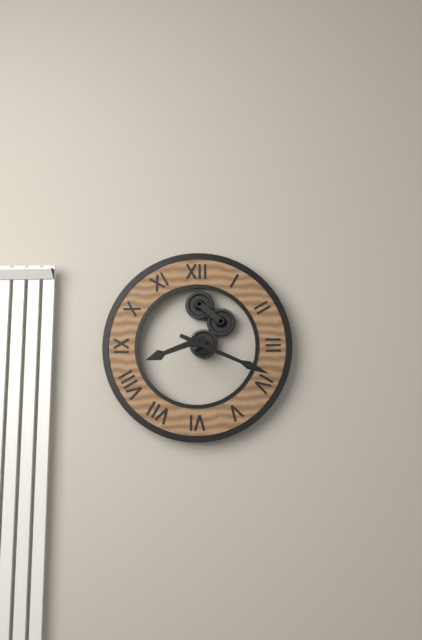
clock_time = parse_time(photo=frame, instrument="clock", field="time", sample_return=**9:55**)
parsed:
**8:19**
